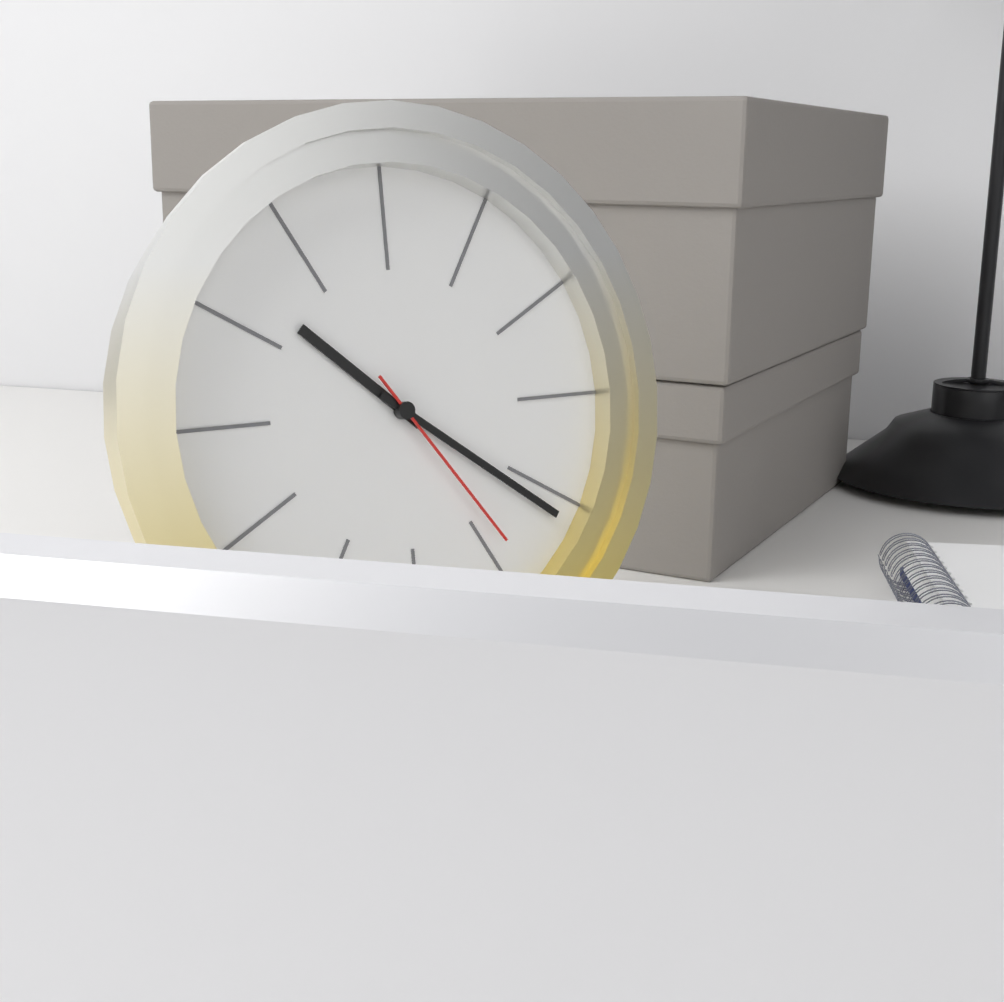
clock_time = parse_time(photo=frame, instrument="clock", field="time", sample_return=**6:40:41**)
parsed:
**10:21:24**
